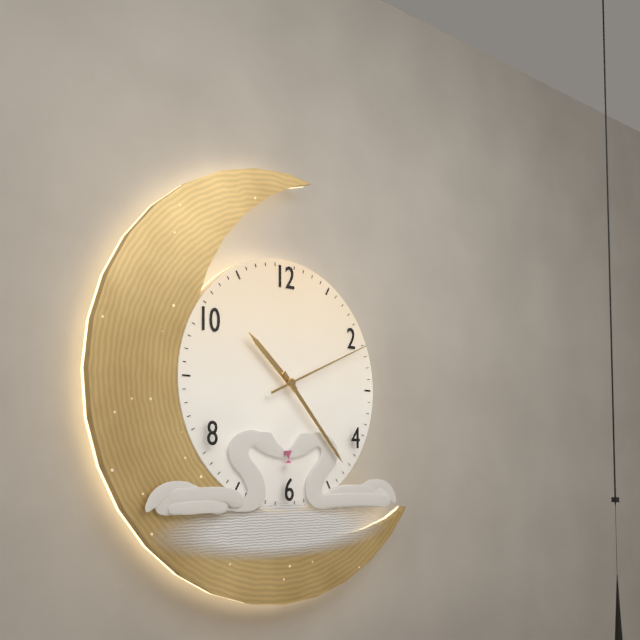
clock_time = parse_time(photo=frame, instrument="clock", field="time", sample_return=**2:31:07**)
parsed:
**10:23:11**
